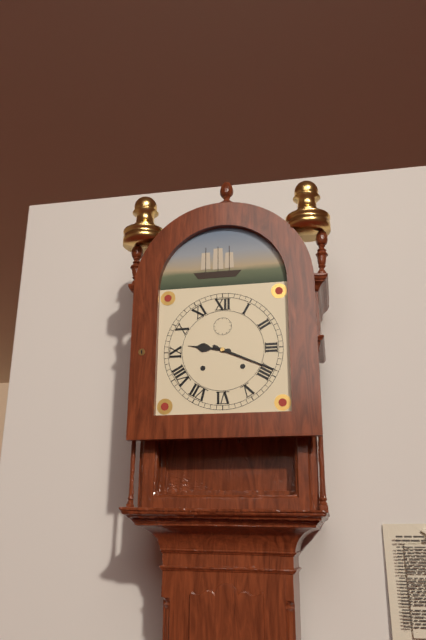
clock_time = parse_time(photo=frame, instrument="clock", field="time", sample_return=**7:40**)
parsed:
**9:19**
